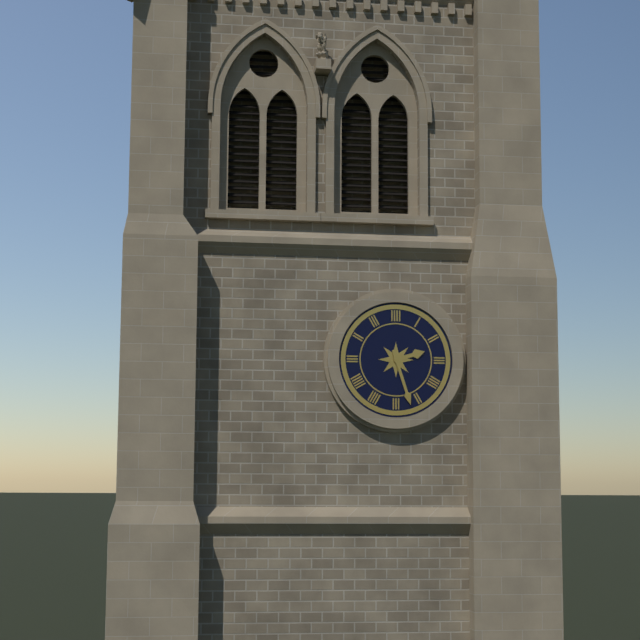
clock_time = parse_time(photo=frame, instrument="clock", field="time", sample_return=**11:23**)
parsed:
**2:27**
